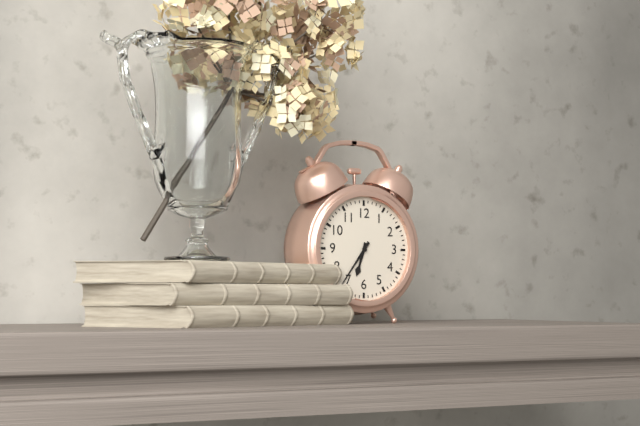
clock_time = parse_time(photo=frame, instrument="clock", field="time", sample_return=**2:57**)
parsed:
**6:36**
